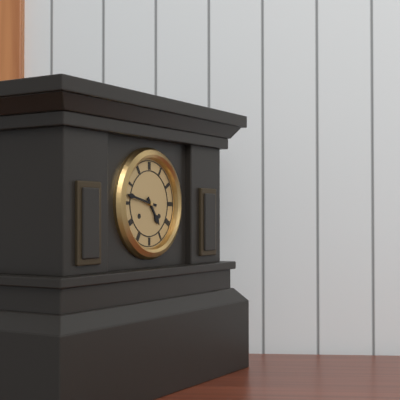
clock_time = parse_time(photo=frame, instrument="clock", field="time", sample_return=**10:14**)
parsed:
**4:47**
